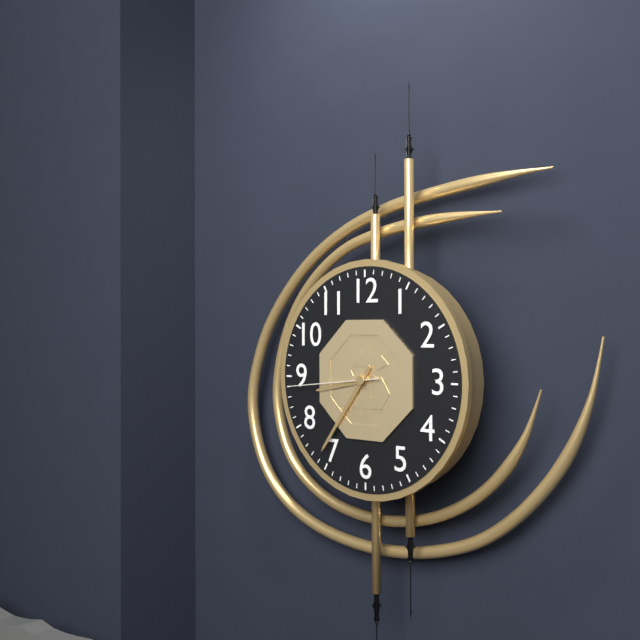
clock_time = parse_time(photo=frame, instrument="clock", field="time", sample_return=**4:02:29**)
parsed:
**8:36:44**
